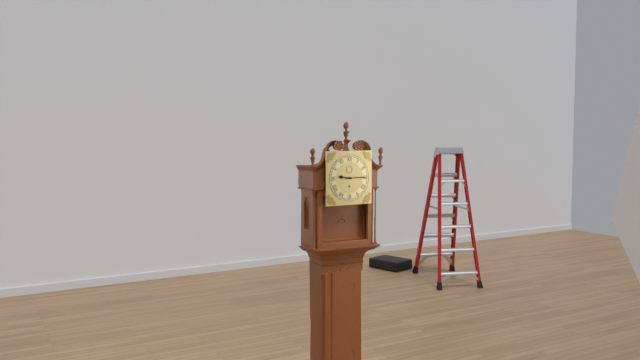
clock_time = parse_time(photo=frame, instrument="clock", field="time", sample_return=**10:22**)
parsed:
**9:15**
